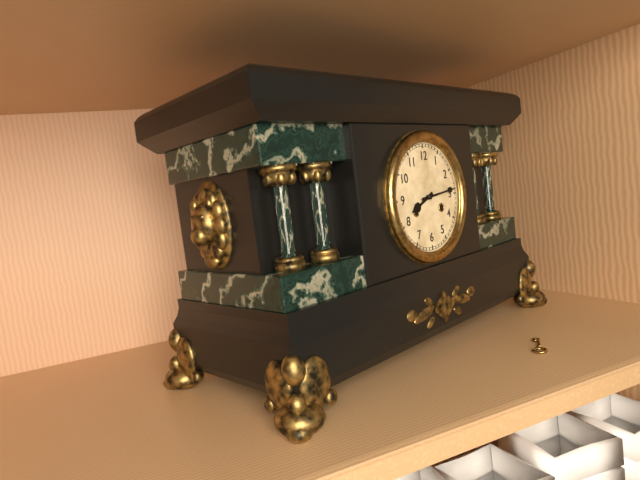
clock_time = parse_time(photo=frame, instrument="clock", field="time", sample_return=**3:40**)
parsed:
**8:14**
